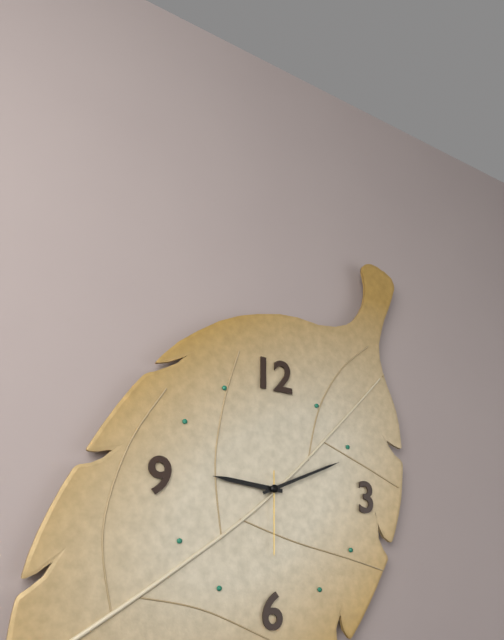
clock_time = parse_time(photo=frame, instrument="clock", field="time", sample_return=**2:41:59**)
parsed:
**9:11:30**
